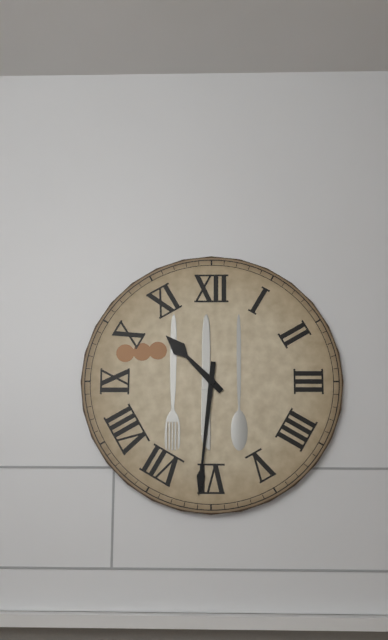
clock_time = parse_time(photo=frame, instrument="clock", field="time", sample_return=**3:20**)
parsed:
**10:31**
